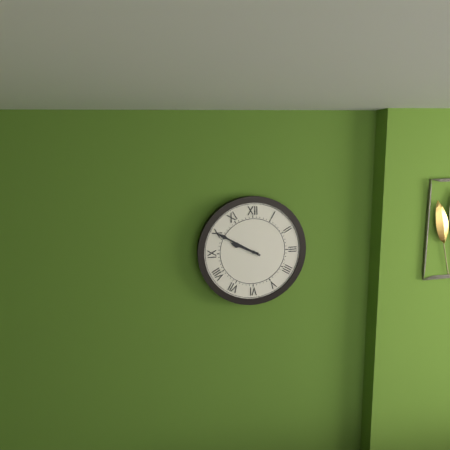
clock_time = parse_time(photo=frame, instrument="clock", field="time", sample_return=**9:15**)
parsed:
**9:50**
